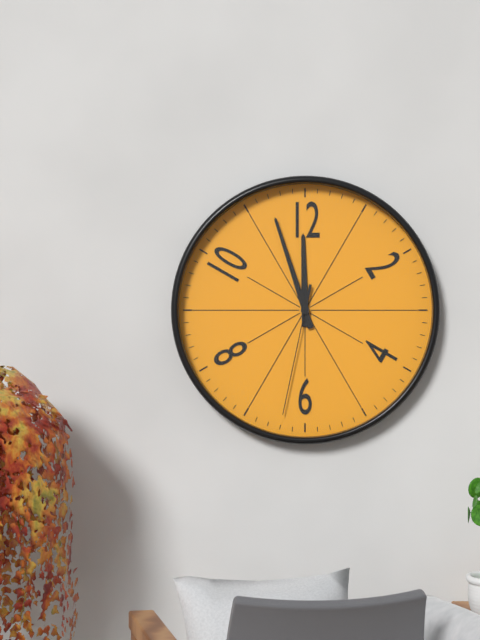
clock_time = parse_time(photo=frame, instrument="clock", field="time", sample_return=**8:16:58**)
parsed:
**11:57:32**
